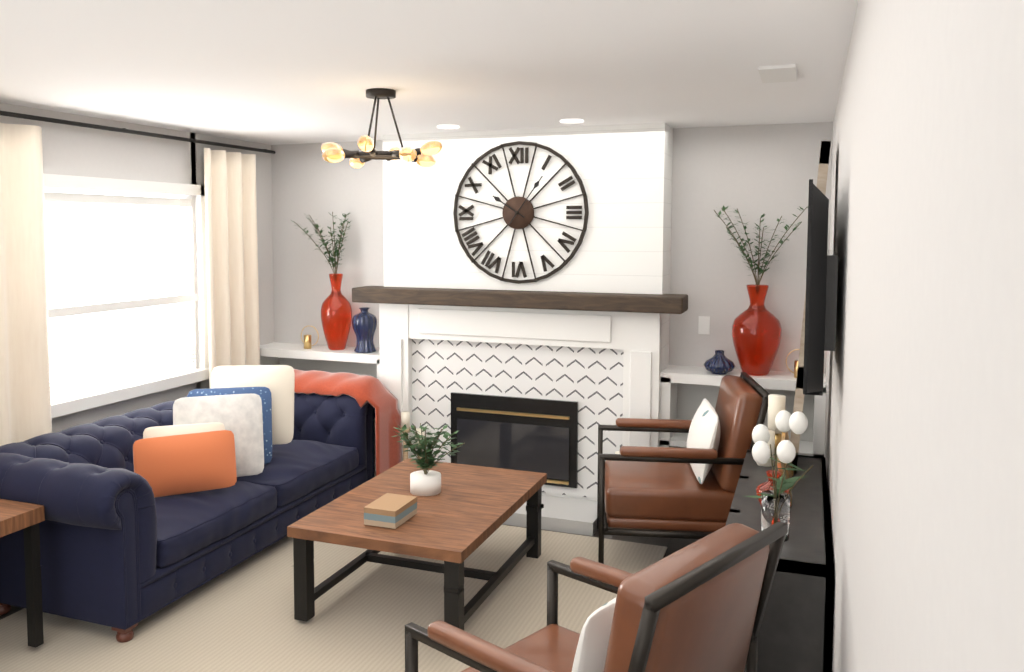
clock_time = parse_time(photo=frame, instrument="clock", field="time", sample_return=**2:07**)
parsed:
**10:06**
